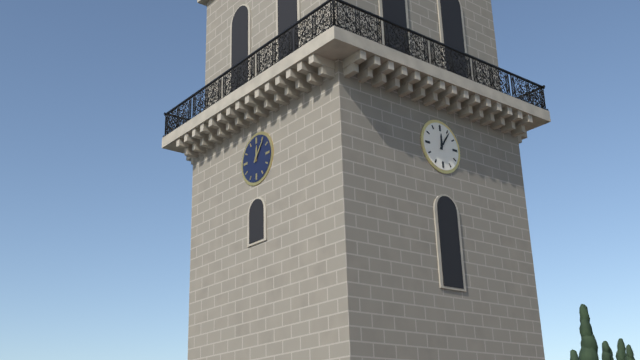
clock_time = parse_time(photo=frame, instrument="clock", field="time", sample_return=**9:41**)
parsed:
**12:06**
